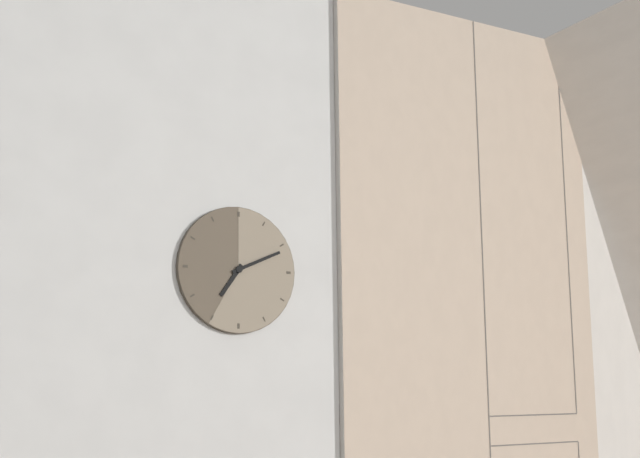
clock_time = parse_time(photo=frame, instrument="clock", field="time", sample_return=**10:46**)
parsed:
**7:11**
